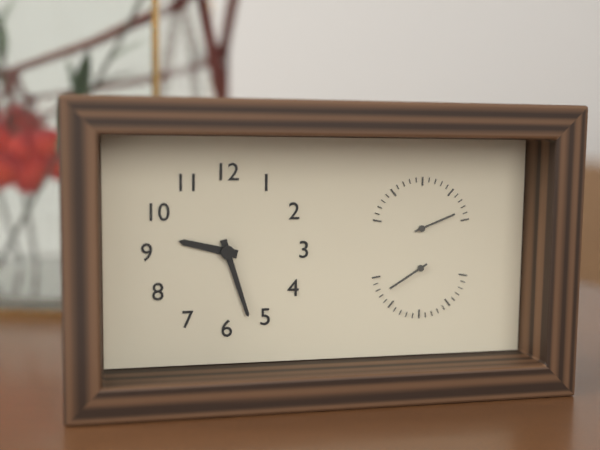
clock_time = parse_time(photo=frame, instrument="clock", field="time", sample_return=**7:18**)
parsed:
**9:27**
